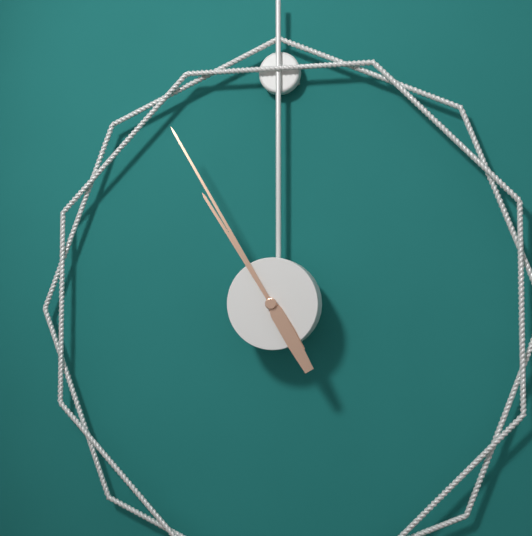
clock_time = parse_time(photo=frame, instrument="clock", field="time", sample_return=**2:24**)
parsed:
**10:55**
